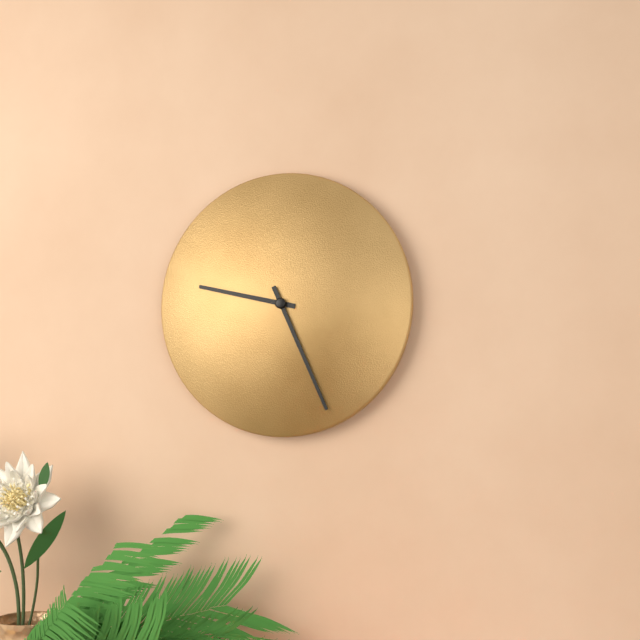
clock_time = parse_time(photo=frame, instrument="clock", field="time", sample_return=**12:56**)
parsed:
**9:26**
